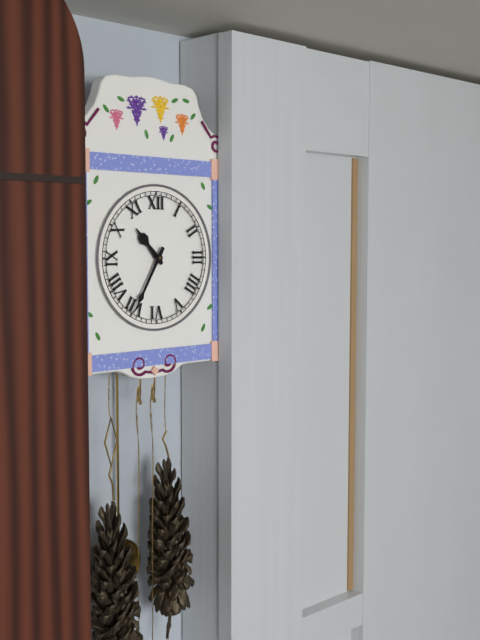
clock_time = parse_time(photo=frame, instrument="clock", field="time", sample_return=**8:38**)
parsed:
**10:35**
